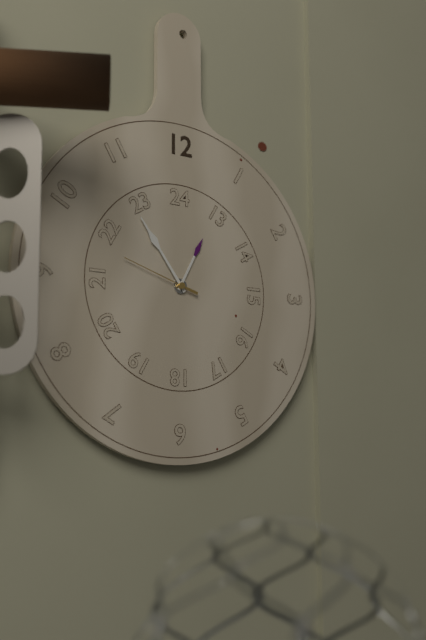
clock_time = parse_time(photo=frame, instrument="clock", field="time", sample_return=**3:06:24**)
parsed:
**12:54:48**
